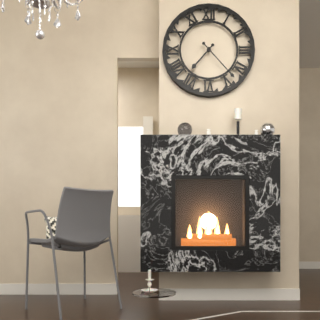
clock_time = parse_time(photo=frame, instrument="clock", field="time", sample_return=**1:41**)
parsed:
**7:23**
